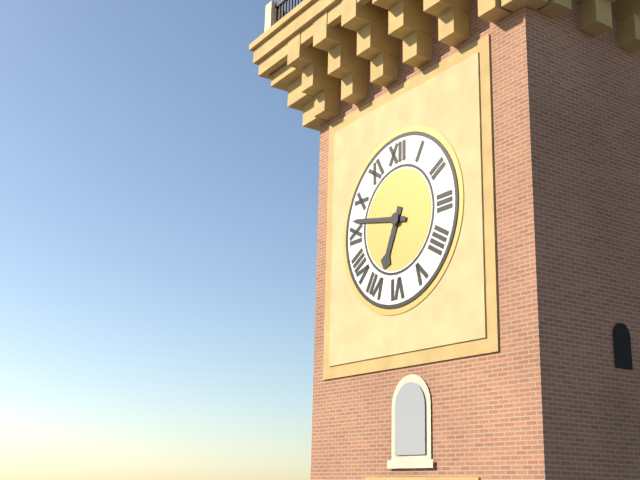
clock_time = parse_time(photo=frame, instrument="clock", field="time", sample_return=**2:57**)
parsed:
**6:47**
